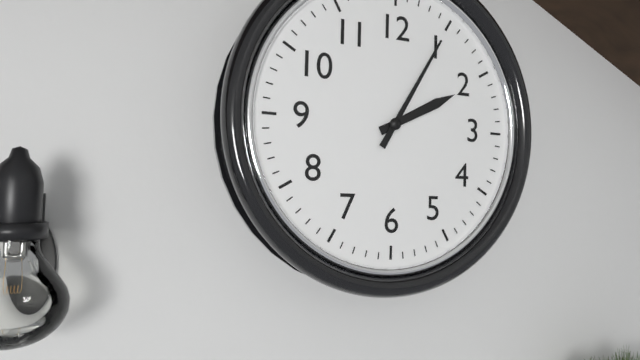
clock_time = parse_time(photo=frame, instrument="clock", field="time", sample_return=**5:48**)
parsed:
**2:05**
